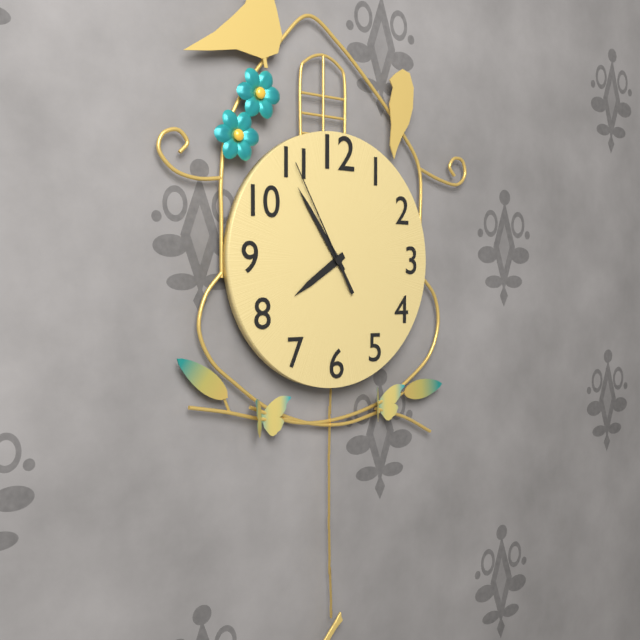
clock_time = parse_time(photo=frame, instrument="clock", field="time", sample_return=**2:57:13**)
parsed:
**7:54:55**
